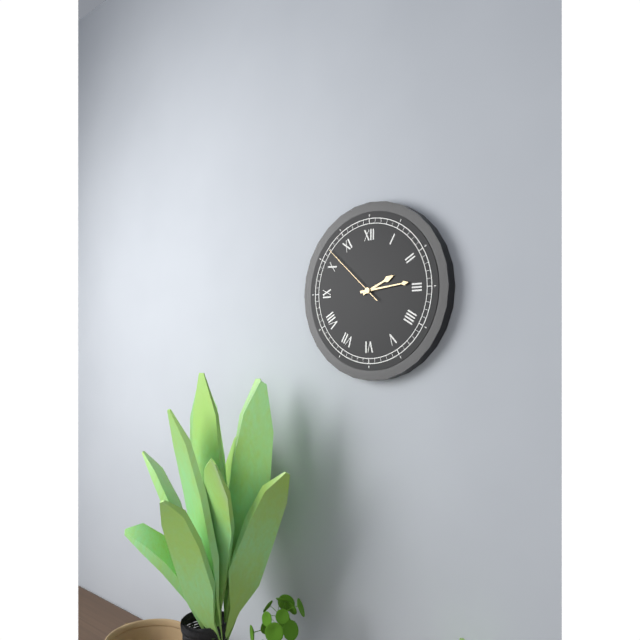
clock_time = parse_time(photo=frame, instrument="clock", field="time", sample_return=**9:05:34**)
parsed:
**2:14:52**
